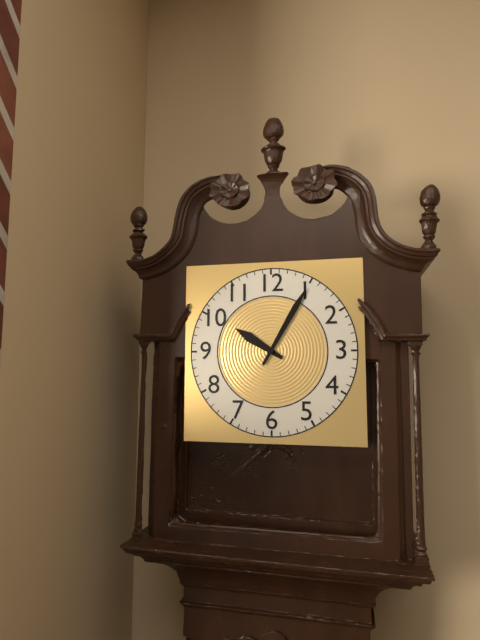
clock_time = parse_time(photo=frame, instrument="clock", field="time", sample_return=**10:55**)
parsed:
**10:05**
